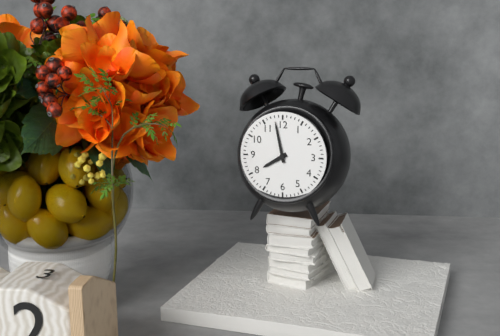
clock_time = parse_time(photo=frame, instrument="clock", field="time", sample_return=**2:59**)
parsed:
**7:58**
